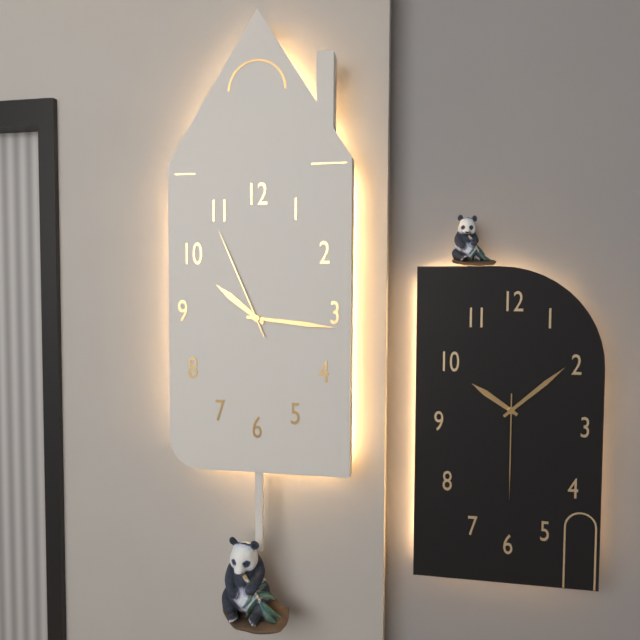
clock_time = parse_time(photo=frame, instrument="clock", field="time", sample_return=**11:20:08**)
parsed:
**10:16:56**
